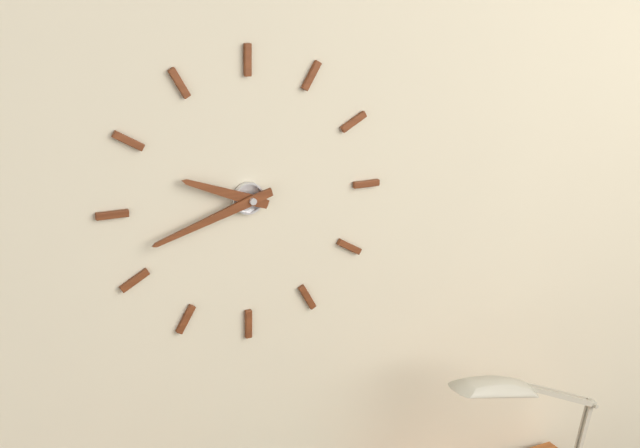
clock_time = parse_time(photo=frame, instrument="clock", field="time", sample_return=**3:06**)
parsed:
**9:42**
